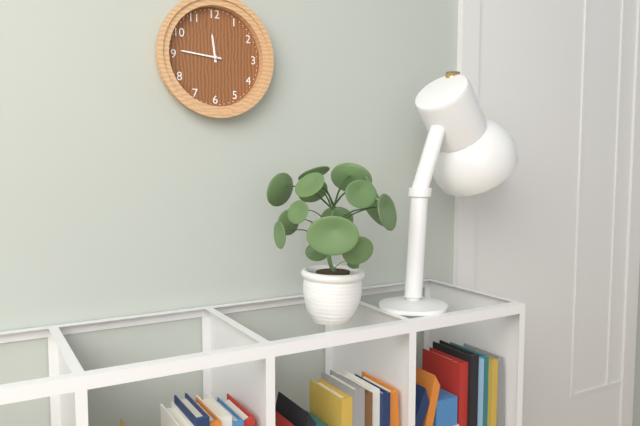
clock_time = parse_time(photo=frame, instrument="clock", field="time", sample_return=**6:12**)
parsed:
**11:46**
